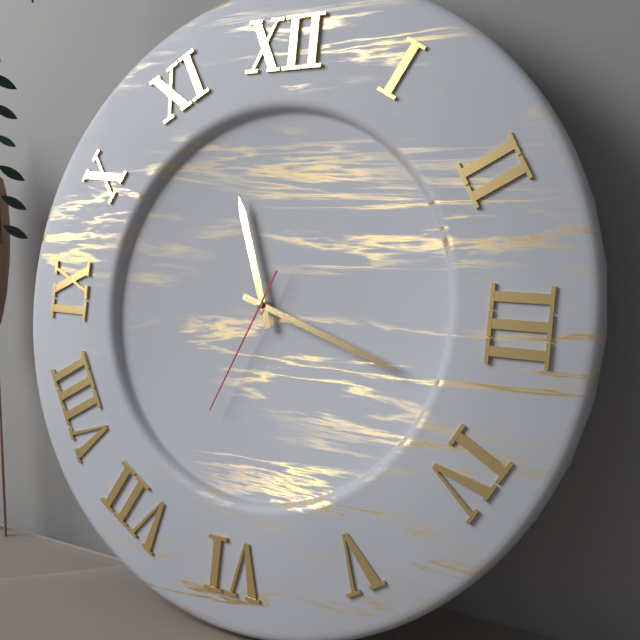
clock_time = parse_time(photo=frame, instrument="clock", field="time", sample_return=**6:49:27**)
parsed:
**11:18:34**
